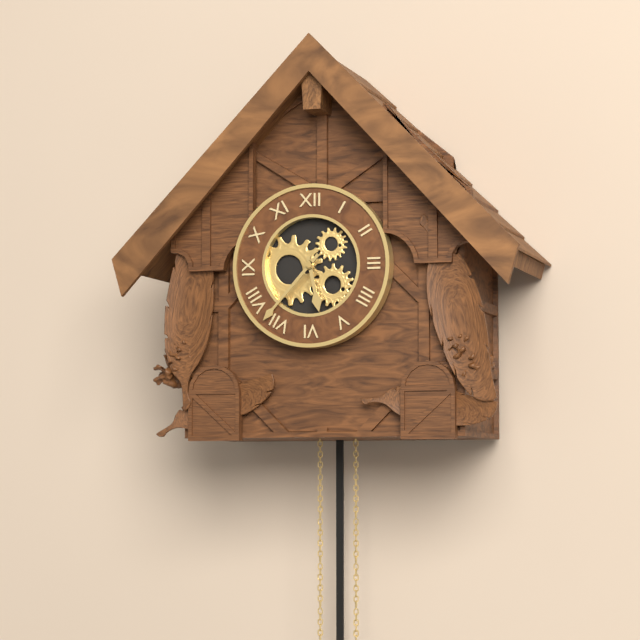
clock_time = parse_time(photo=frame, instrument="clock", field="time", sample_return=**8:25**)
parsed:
**5:37**
